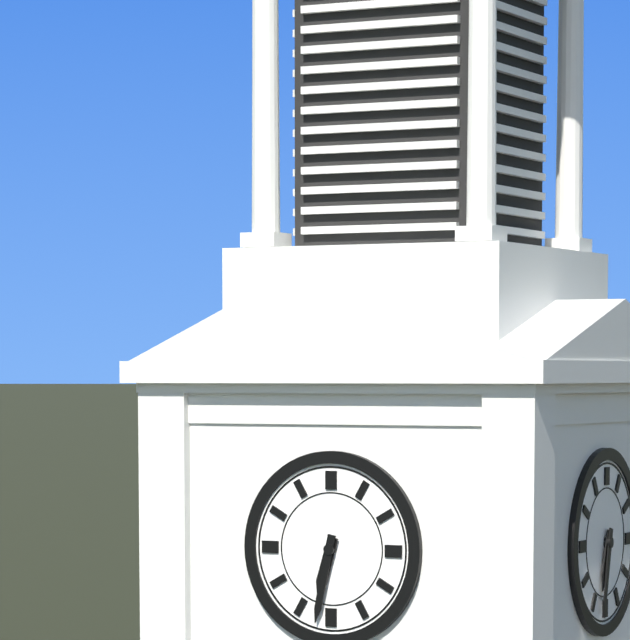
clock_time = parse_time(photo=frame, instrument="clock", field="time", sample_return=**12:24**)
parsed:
**6:32**
